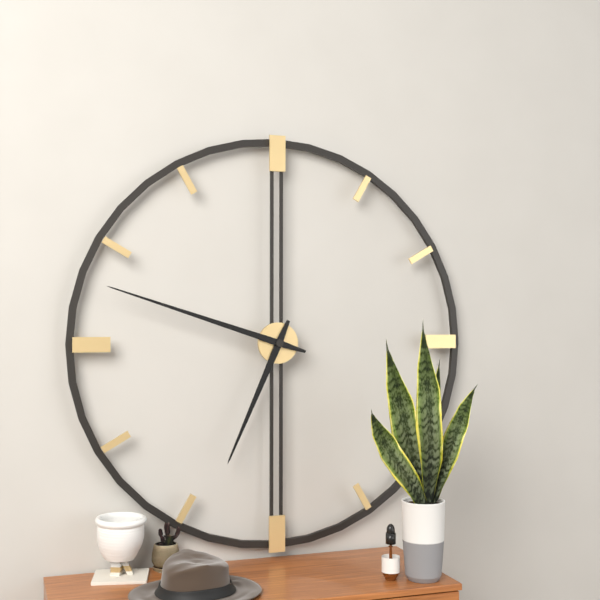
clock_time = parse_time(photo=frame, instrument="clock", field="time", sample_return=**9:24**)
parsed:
**6:48**
